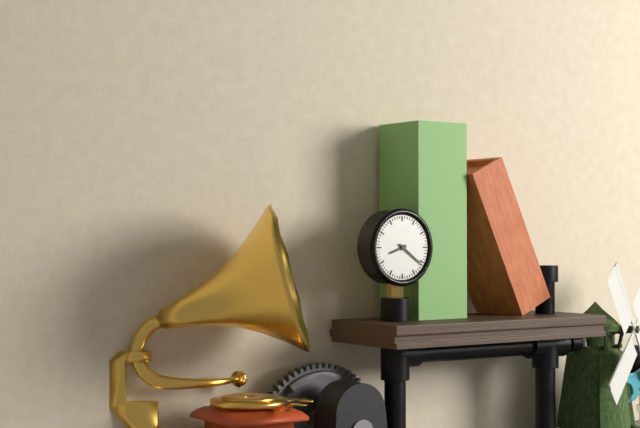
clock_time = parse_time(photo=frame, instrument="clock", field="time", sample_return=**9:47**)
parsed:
**8:21**
